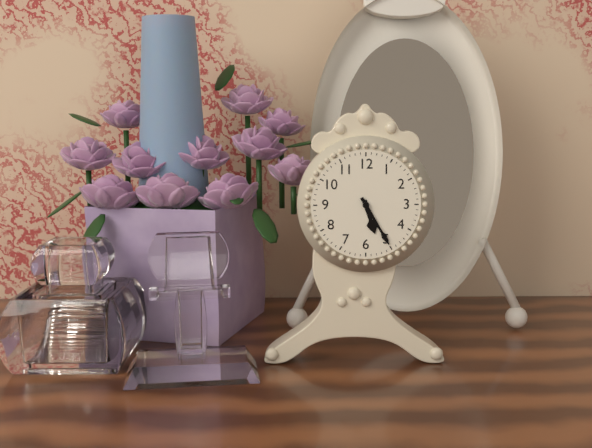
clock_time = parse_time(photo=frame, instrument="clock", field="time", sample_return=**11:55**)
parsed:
**5:25**
